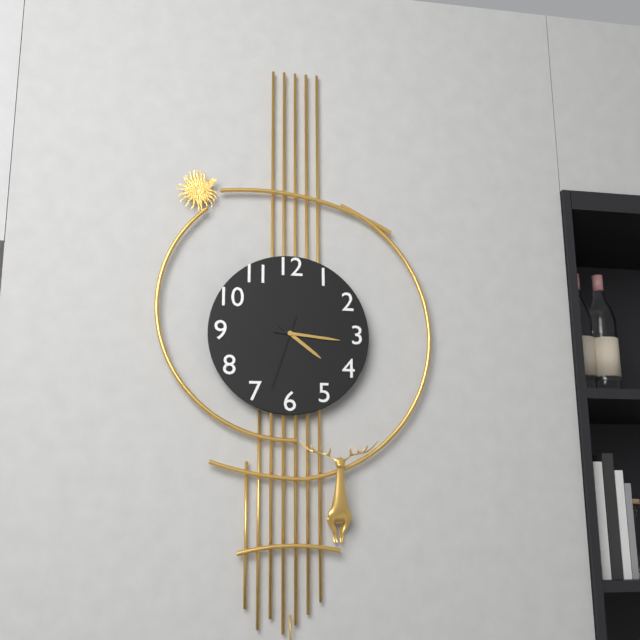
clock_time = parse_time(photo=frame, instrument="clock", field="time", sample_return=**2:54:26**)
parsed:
**4:16:33**
